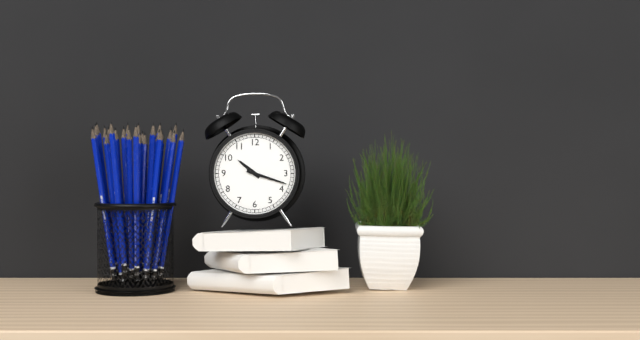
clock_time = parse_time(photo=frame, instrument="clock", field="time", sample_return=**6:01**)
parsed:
**10:18**
